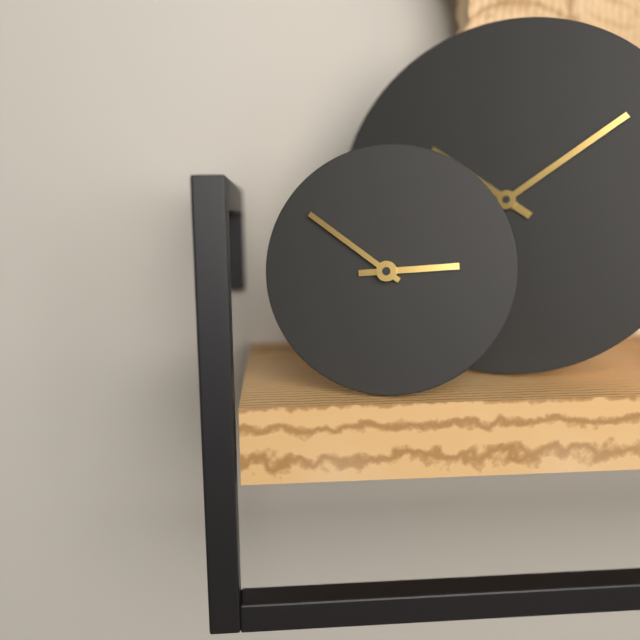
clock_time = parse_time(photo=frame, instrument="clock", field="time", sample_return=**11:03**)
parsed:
**2:51**
